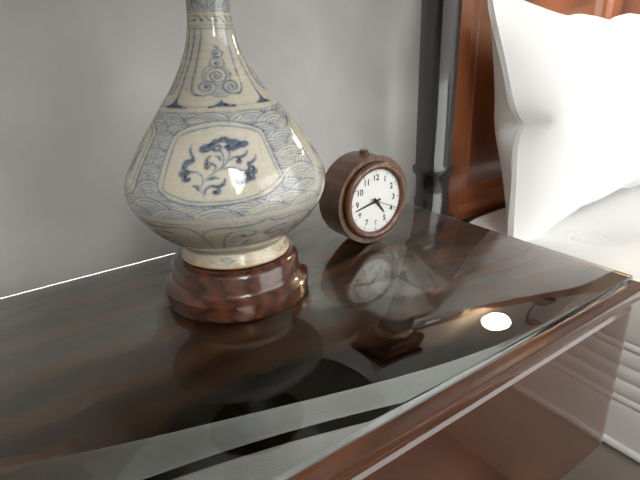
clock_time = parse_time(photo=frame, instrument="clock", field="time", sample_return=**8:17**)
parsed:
**4:43**
